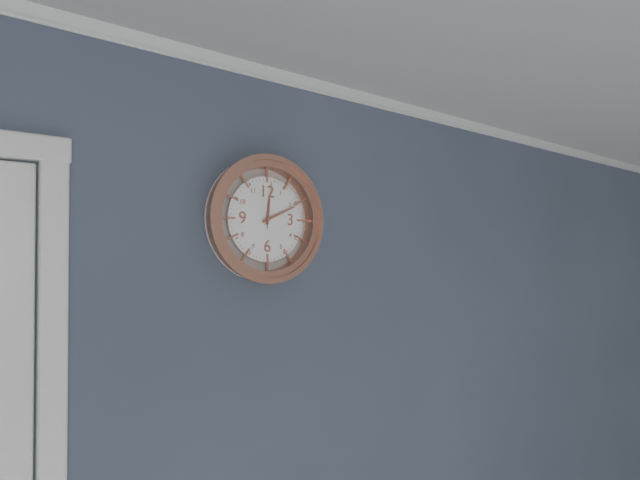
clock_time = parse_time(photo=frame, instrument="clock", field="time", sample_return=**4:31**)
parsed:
**12:11**
